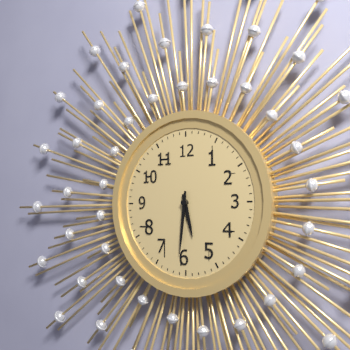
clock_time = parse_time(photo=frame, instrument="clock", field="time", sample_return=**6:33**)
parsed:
**5:31**
